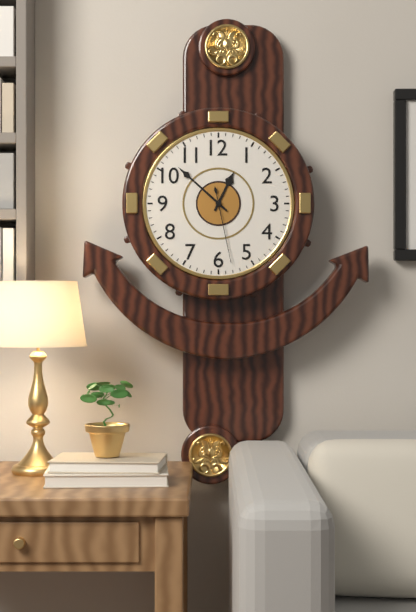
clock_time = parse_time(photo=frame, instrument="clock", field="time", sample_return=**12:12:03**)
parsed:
**12:52:28**
